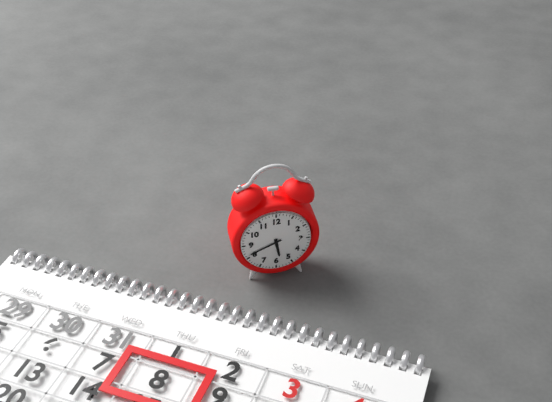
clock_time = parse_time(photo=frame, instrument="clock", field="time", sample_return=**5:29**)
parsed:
**5:41**
